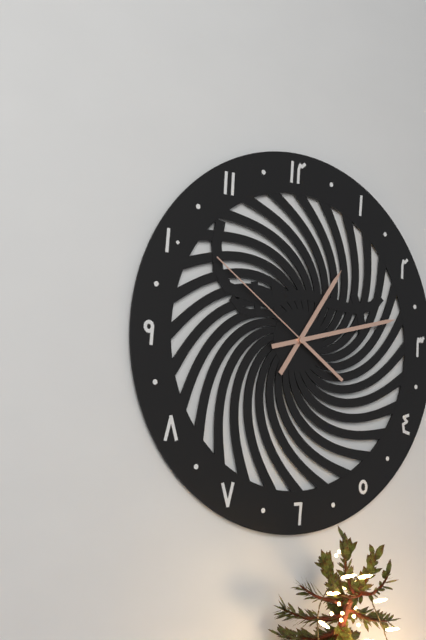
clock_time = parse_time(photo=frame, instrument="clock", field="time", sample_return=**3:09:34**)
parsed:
**1:13:51**
